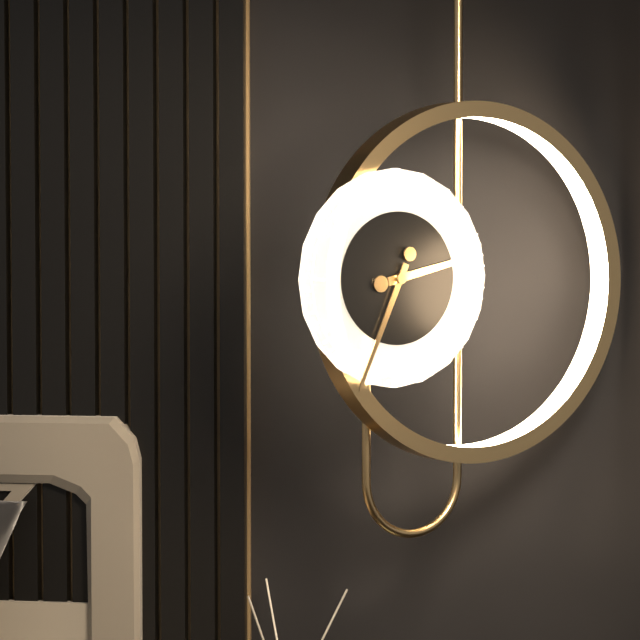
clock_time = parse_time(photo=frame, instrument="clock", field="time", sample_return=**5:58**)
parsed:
**2:34**
